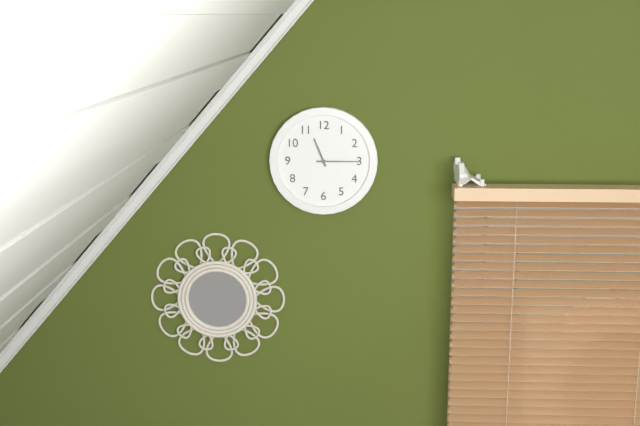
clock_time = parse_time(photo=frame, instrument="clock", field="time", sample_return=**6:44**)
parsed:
**11:15**
